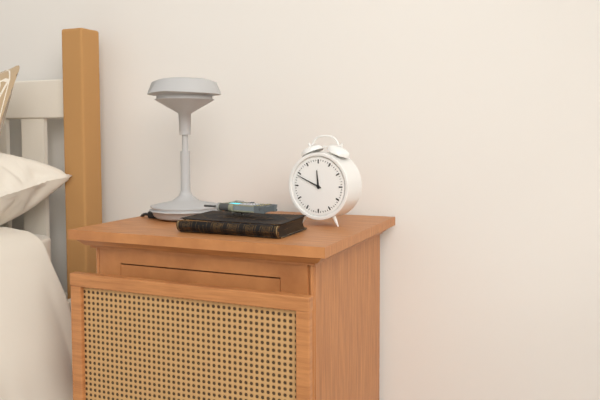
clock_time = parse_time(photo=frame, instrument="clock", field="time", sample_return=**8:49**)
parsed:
**11:49**
